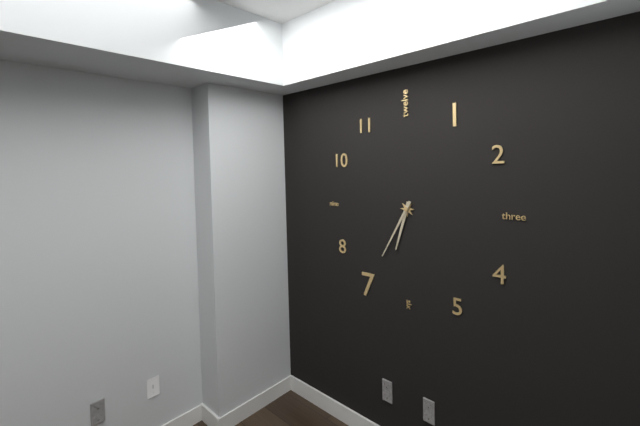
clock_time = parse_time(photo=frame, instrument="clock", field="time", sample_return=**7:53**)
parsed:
**6:35**
